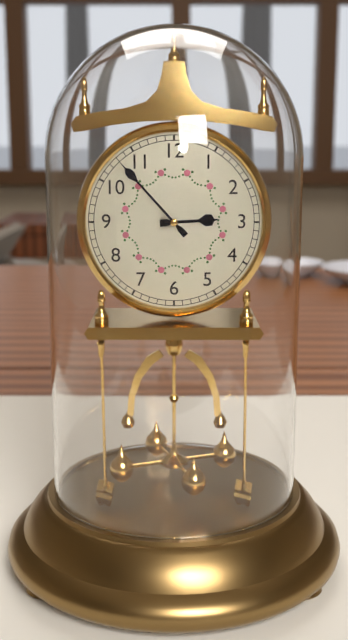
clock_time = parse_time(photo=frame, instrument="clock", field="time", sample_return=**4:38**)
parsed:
**2:53**
